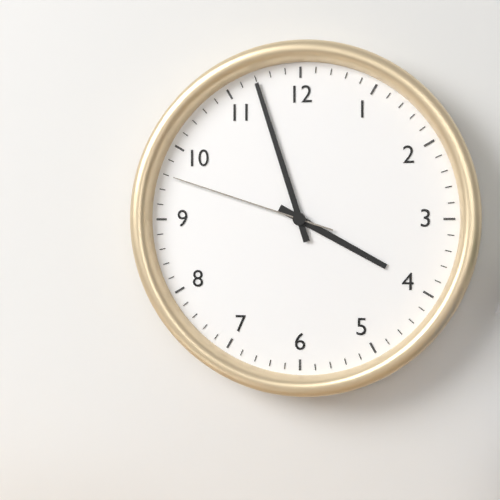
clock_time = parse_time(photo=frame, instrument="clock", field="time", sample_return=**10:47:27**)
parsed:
**3:57:48**
